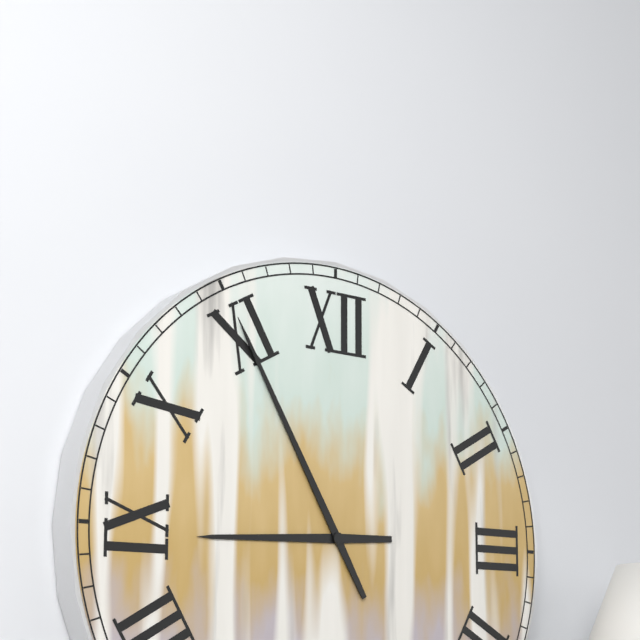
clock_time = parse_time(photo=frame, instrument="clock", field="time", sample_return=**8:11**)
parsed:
**8:55**
